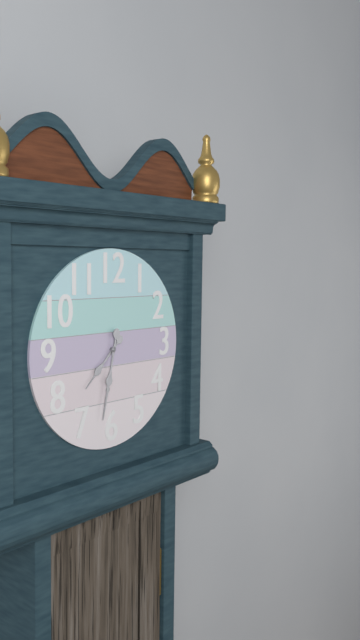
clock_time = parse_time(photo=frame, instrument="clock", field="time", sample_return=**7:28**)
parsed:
**7:32**
